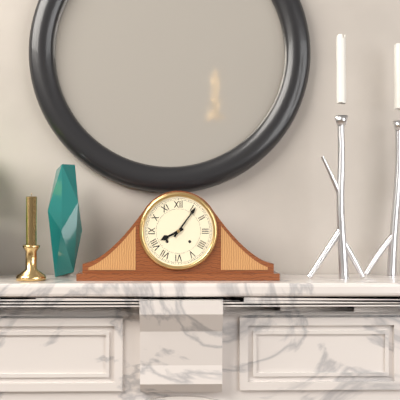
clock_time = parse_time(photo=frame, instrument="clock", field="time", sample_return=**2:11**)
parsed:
**8:06**
